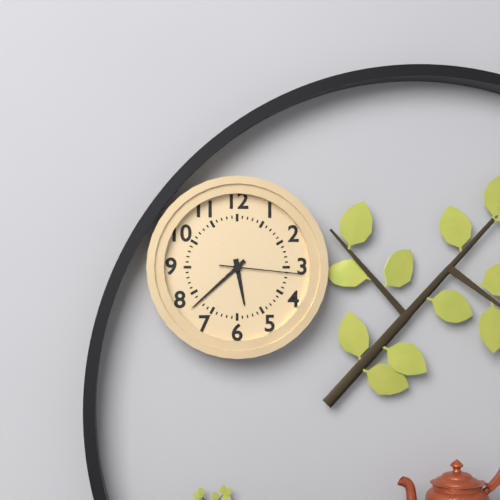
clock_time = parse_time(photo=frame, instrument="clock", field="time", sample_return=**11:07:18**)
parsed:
**5:38:16**
